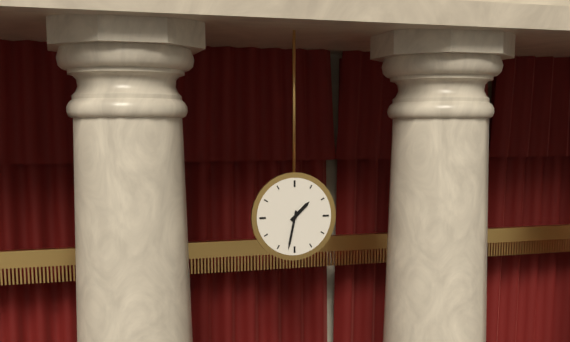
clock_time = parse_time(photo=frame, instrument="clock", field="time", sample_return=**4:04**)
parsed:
**1:32**
